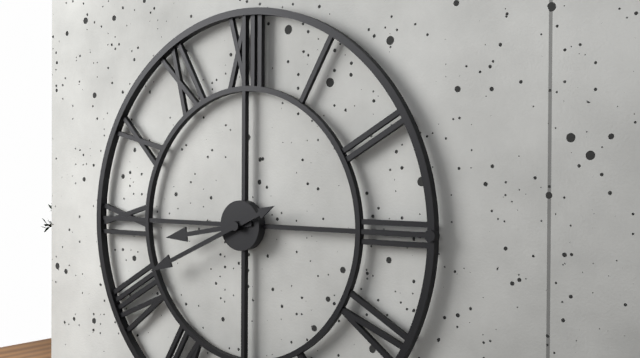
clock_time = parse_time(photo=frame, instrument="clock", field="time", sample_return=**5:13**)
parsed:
**8:41**
